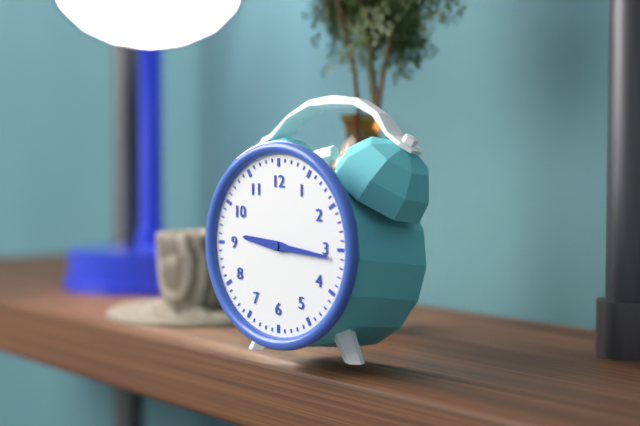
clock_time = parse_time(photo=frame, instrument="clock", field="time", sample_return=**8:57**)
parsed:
**9:16**
